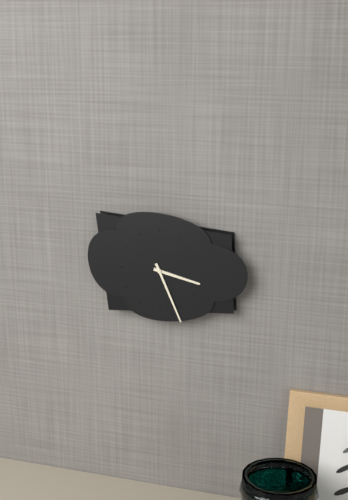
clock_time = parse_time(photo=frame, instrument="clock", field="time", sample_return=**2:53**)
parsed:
**3:26**
